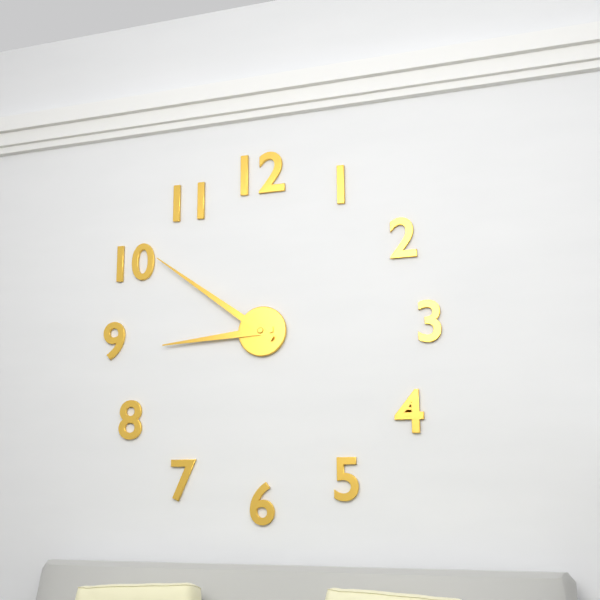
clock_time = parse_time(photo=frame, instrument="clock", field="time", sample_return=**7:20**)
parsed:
**8:51**
